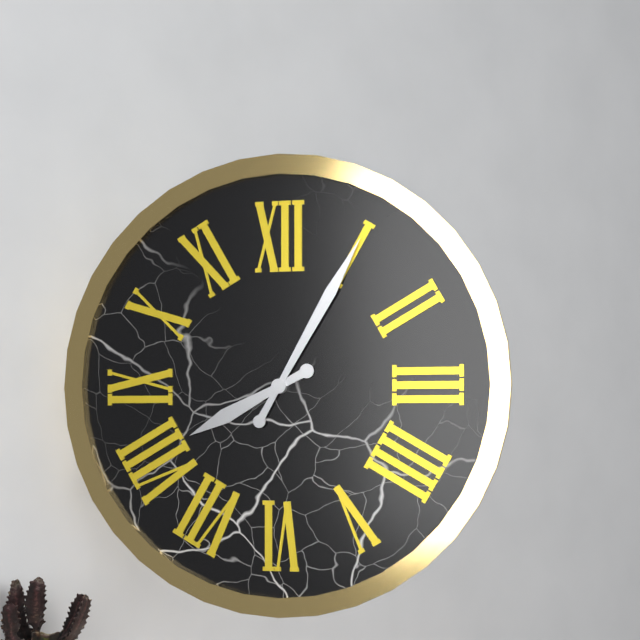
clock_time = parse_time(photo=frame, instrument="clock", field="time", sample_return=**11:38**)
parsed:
**8:05**
